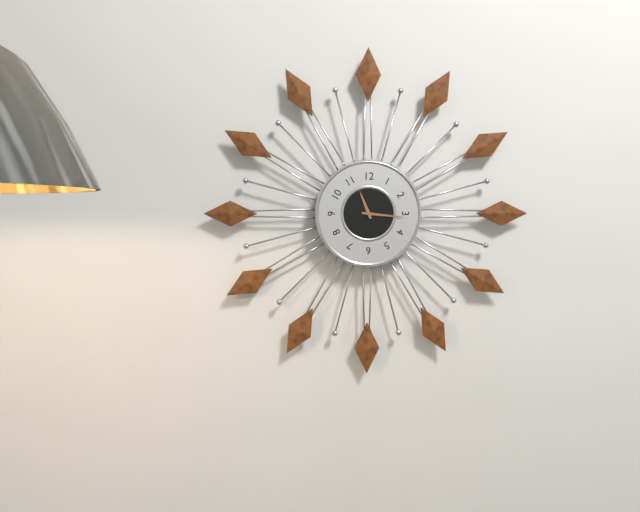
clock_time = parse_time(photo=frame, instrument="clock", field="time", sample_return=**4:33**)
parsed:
**11:16**
